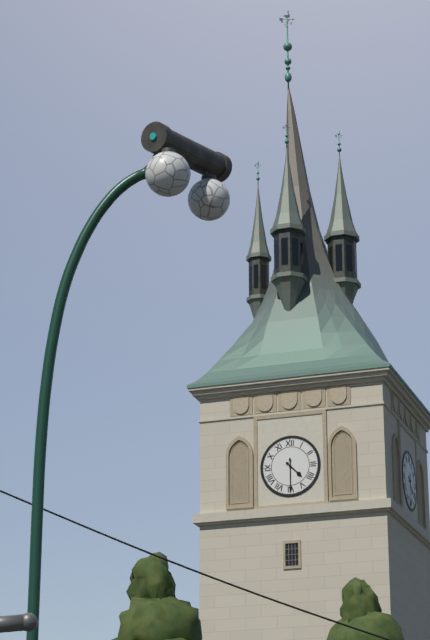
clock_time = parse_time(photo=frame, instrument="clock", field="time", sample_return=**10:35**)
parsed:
**4:30**
